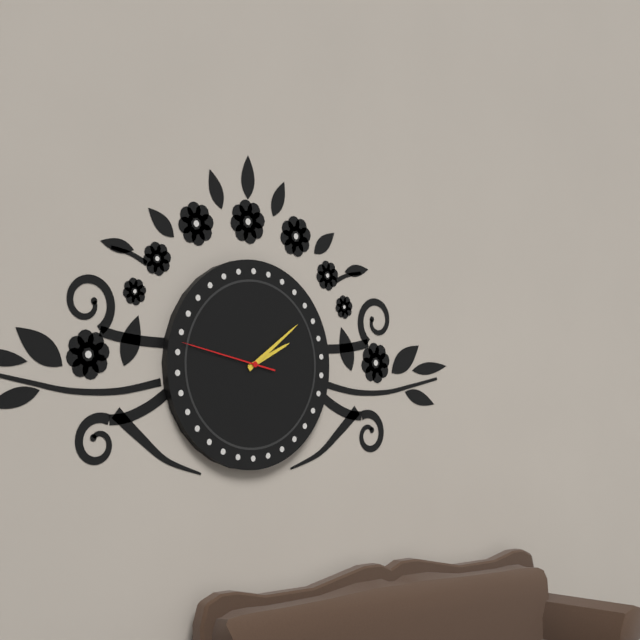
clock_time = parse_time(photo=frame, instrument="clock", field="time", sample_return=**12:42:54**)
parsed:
**2:09:47**
